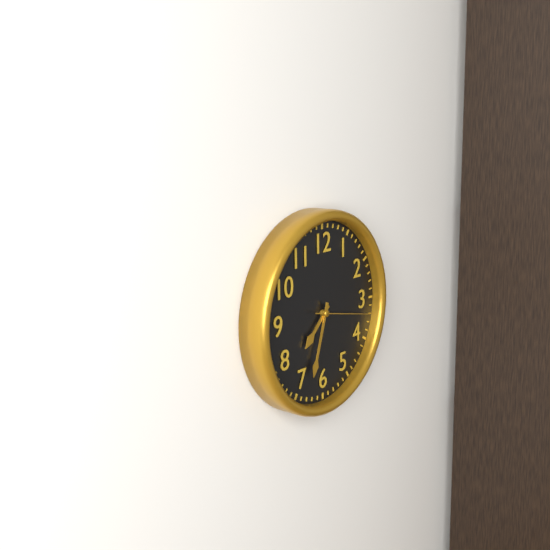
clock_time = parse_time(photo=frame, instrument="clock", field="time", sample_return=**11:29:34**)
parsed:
**7:33:17**
